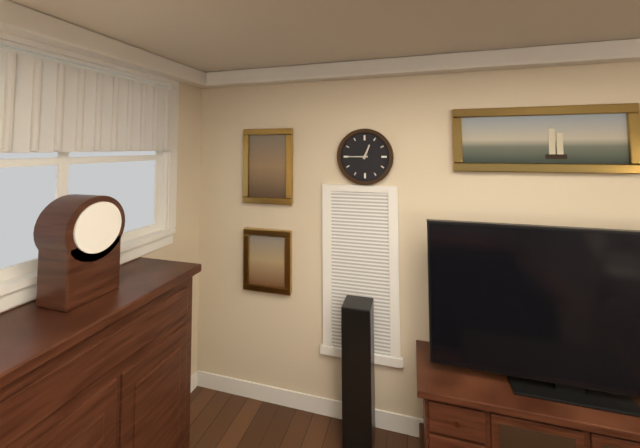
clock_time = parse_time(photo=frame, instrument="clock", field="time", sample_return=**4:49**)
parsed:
**12:45**
